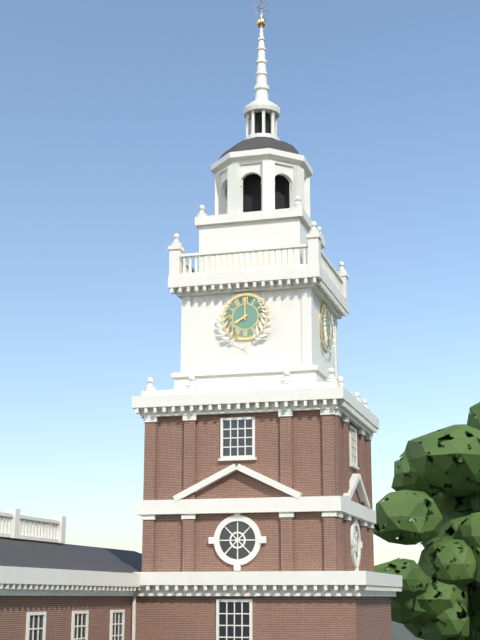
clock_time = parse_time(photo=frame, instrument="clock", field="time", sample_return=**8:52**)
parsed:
**8:00**
